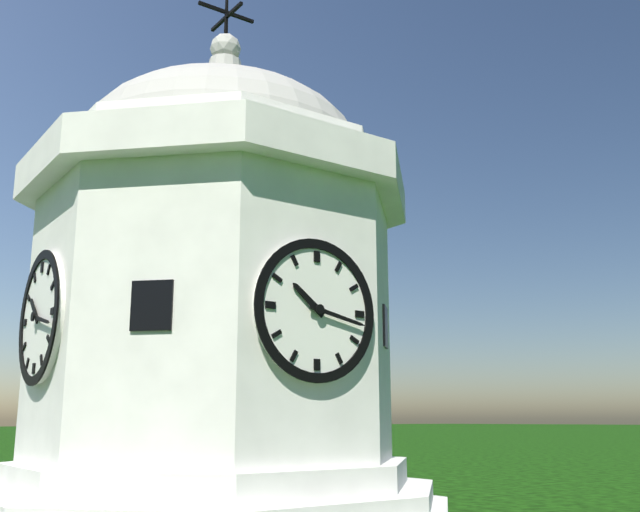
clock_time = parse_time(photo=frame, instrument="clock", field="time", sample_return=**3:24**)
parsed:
**10:17**
